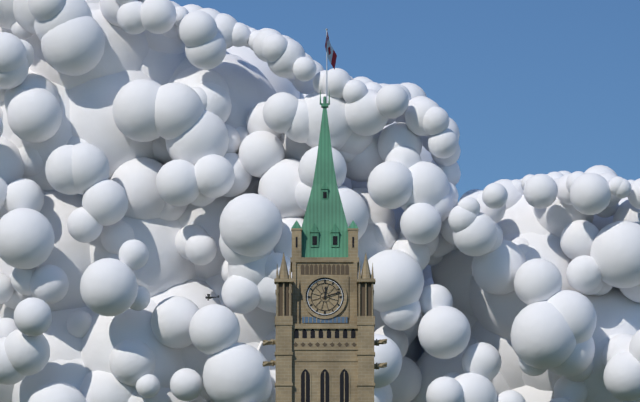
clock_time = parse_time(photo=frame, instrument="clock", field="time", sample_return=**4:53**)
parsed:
**12:12**
